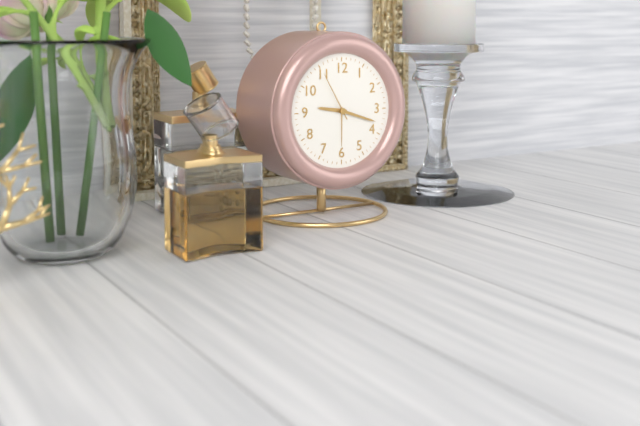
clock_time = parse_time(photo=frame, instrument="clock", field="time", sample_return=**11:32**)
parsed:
**9:18**
